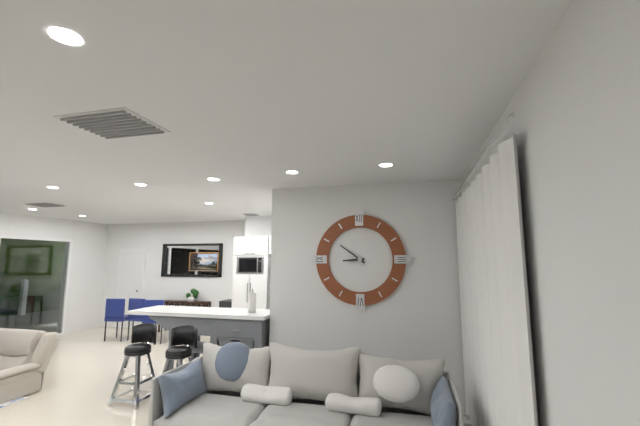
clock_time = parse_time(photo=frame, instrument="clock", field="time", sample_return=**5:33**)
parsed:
**8:51**
